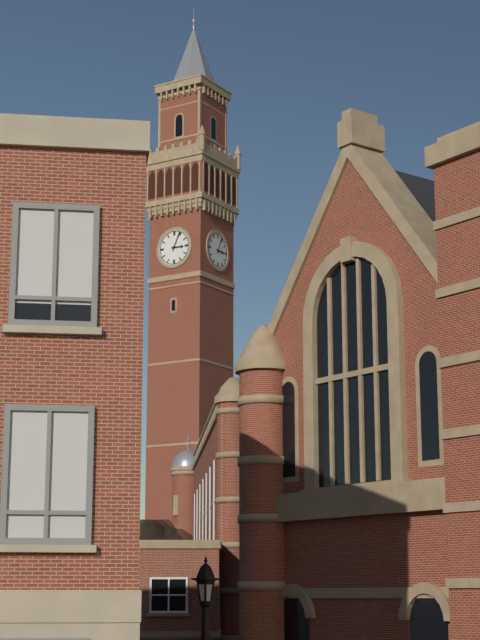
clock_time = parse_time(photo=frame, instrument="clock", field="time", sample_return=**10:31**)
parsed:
**3:04**
